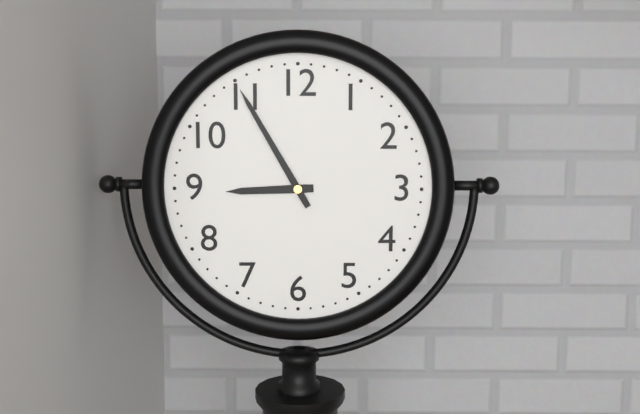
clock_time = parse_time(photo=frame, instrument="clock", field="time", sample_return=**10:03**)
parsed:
**8:55**
